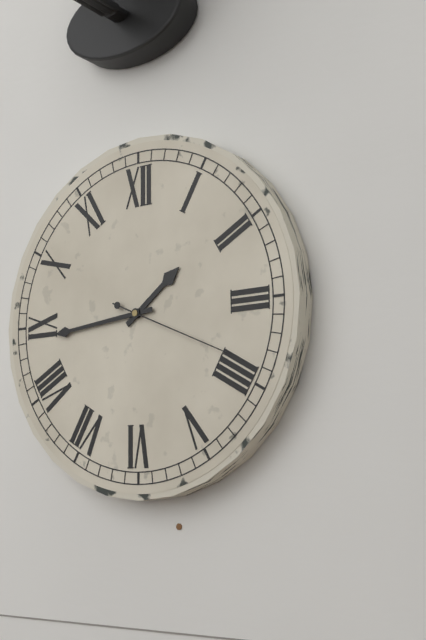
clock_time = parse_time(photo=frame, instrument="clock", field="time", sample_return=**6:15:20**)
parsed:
**1:44:19**
